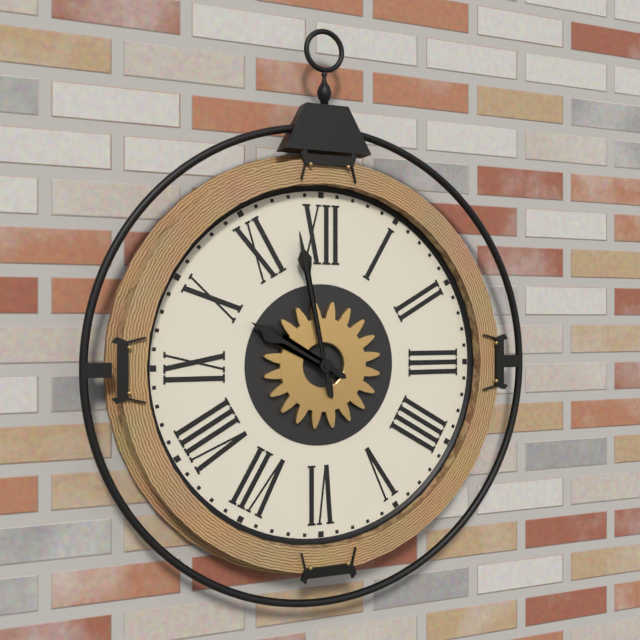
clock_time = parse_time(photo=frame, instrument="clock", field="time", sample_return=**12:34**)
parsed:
**9:58**
